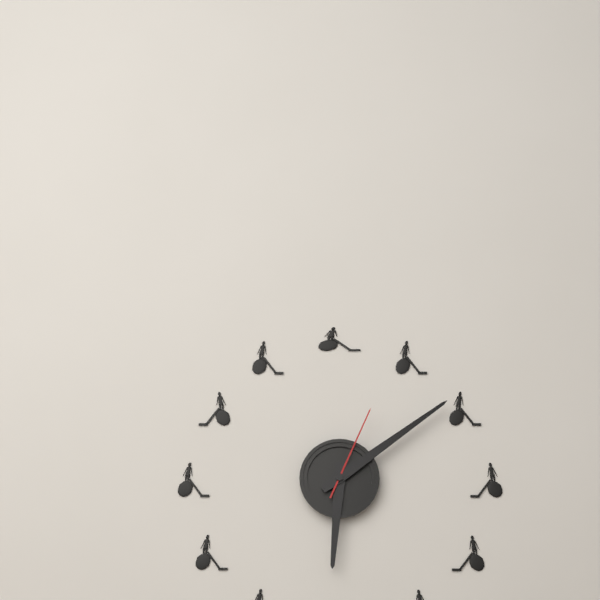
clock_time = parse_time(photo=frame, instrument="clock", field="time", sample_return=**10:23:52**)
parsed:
**6:09:04**
